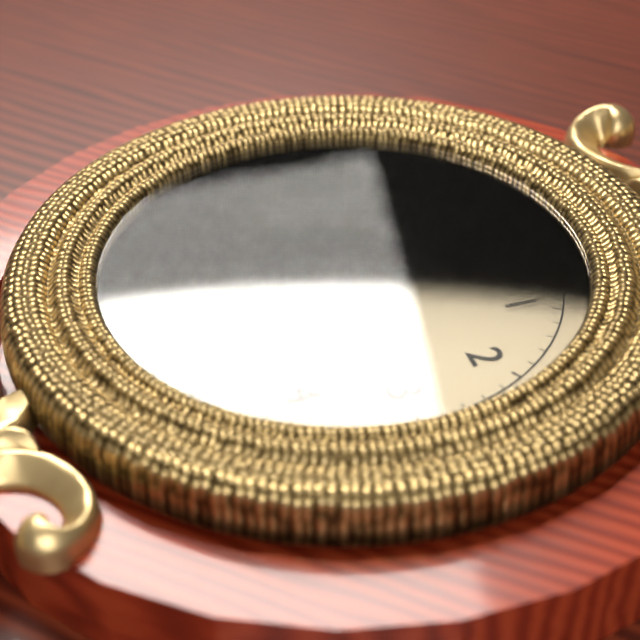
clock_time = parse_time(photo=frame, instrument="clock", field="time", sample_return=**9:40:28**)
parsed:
**2:50:01**
